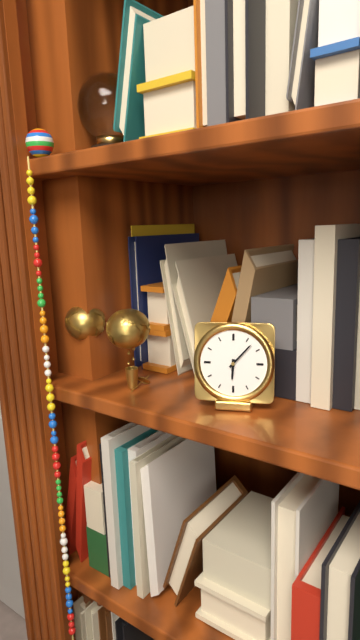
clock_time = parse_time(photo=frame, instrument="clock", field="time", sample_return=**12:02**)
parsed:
**6:07**
